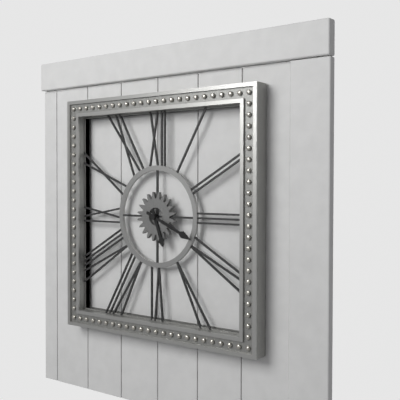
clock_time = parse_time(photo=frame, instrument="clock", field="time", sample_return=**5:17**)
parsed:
**5:19**
